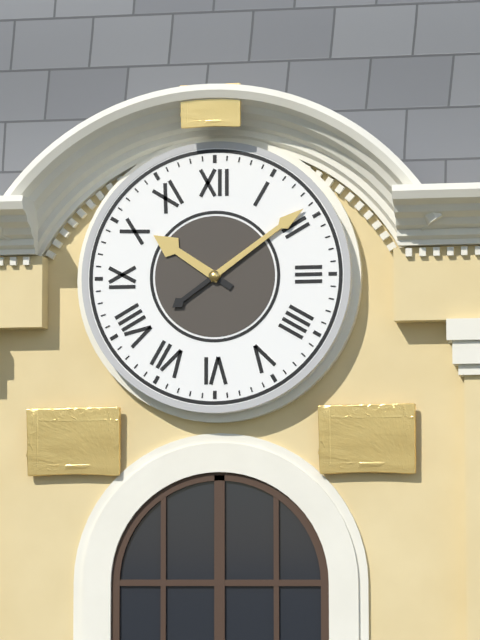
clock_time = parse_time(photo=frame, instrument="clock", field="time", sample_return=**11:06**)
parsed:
**10:09**
